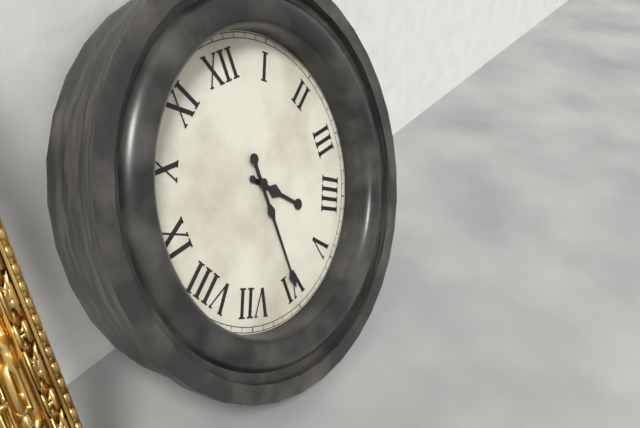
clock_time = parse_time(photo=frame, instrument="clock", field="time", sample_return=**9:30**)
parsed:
**4:30**
